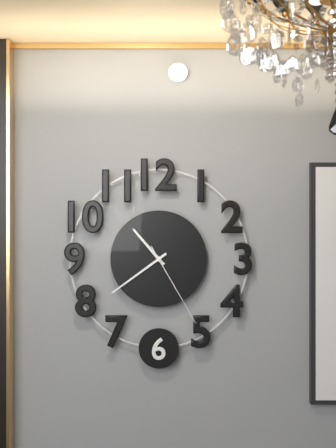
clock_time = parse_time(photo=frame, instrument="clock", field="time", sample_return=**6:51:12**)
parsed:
**10:39:25**
